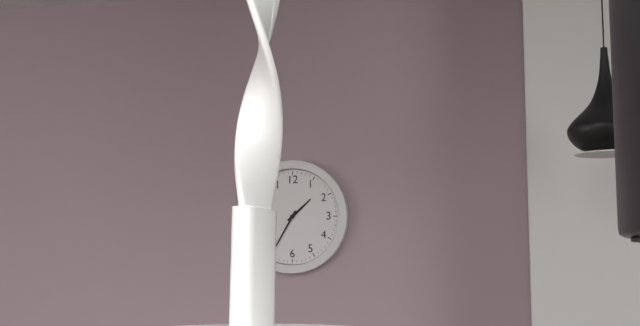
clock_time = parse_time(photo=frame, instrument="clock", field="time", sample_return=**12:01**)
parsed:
**1:35**
